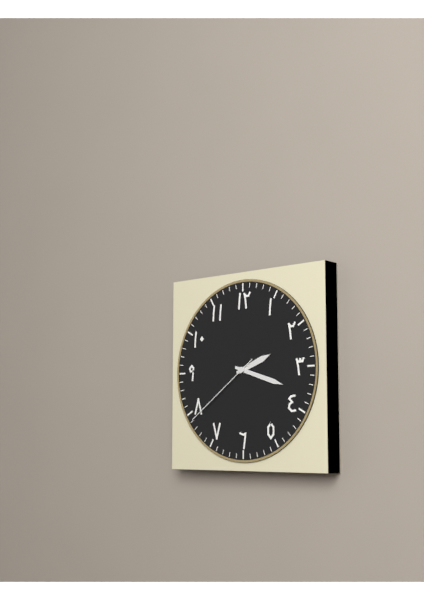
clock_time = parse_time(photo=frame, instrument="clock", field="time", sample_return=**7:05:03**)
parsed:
**2:18:39**
